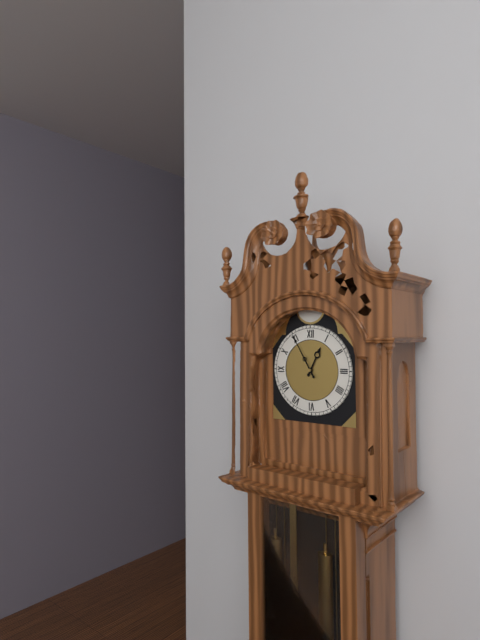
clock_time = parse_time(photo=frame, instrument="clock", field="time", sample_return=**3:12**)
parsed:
**12:55**
